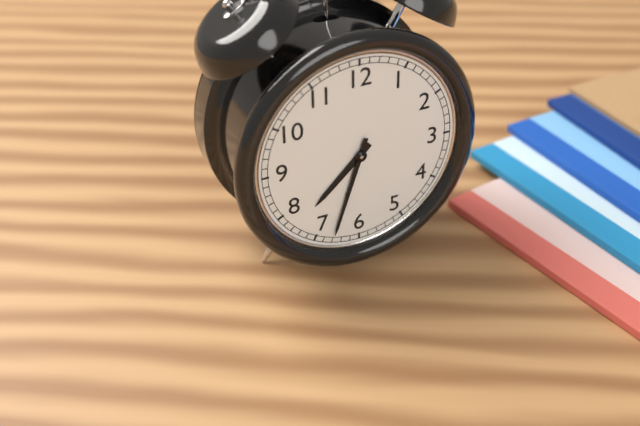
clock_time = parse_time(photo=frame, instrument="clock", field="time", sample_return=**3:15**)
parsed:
**7:33**
